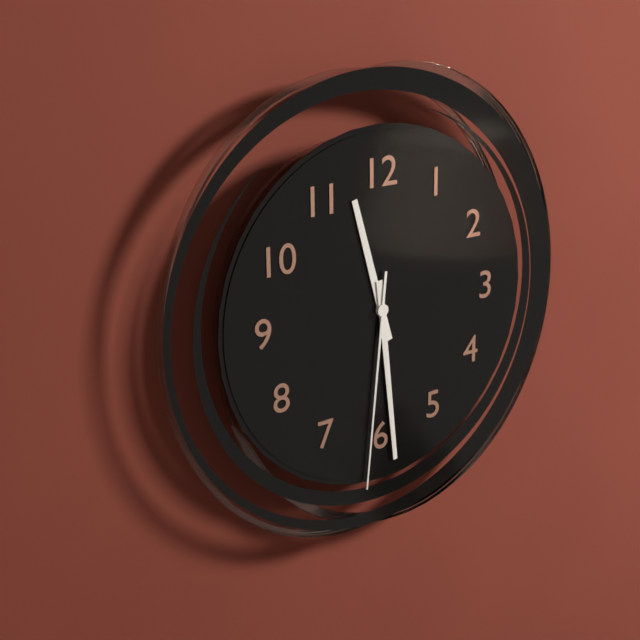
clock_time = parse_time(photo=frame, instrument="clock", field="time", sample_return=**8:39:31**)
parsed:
**11:29:31**
